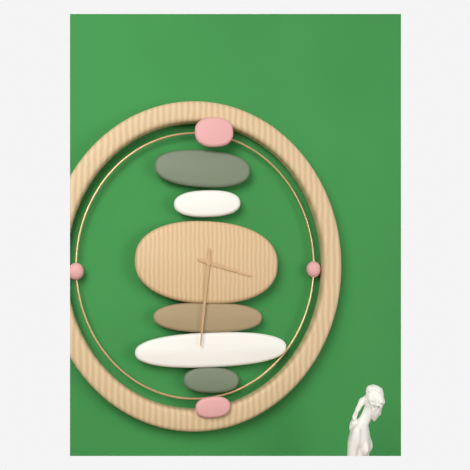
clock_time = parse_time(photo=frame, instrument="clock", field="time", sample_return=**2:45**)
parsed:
**3:31**
